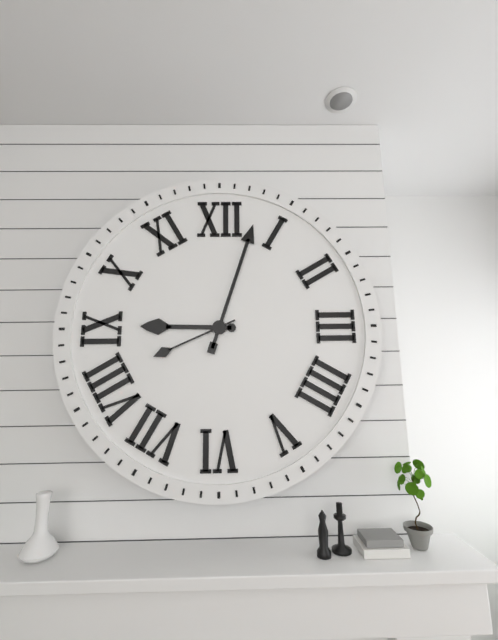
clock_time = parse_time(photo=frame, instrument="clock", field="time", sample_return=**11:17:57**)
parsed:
**9:03:41**
